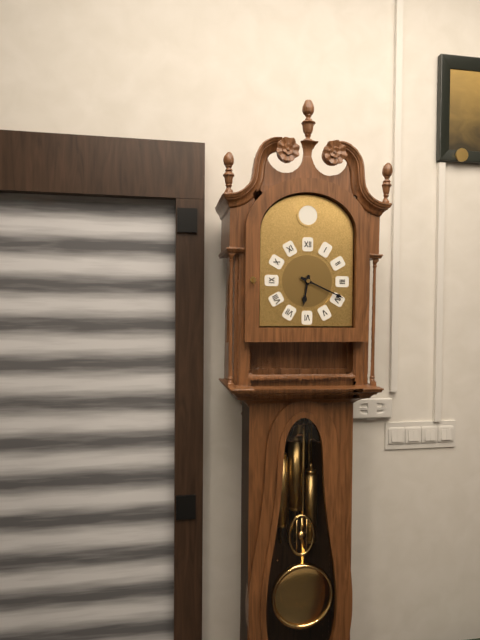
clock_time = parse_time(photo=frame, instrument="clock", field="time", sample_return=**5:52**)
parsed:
**6:19**
